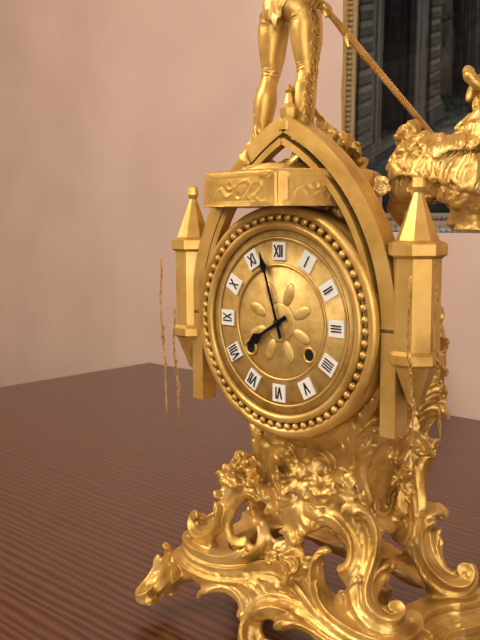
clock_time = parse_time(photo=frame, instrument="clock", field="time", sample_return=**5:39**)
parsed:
**7:57**
